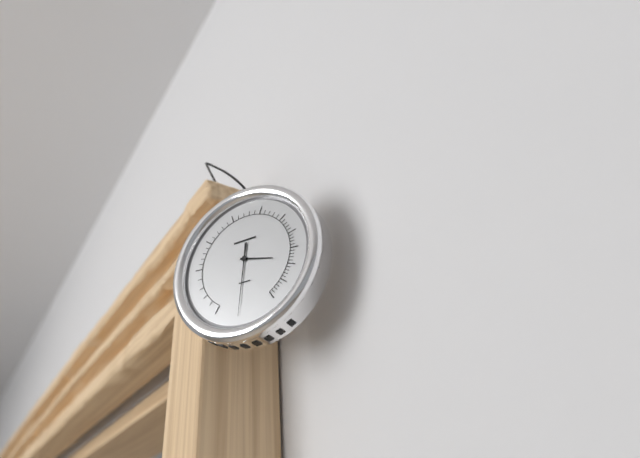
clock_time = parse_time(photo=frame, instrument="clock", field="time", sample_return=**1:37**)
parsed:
**3:31**
